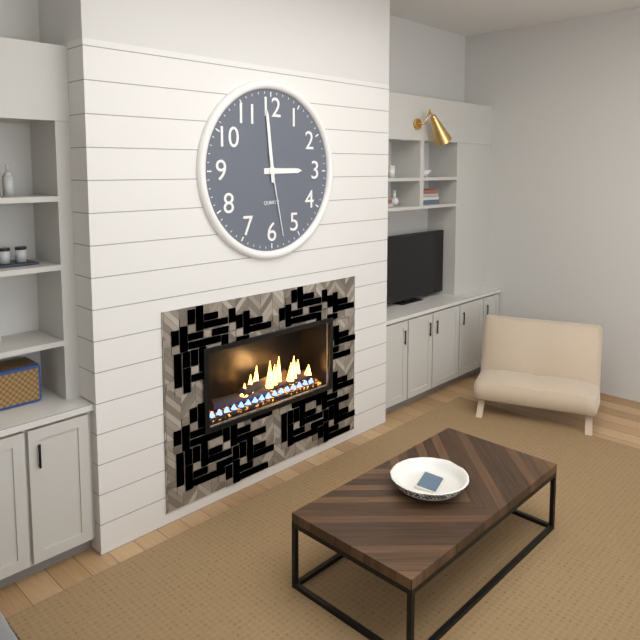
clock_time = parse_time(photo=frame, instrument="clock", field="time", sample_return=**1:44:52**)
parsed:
**2:59:28**
